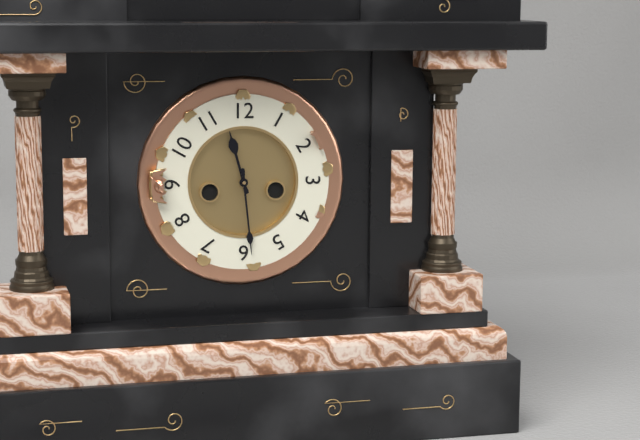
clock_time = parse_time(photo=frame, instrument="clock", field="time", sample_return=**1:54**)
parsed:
**11:29**
